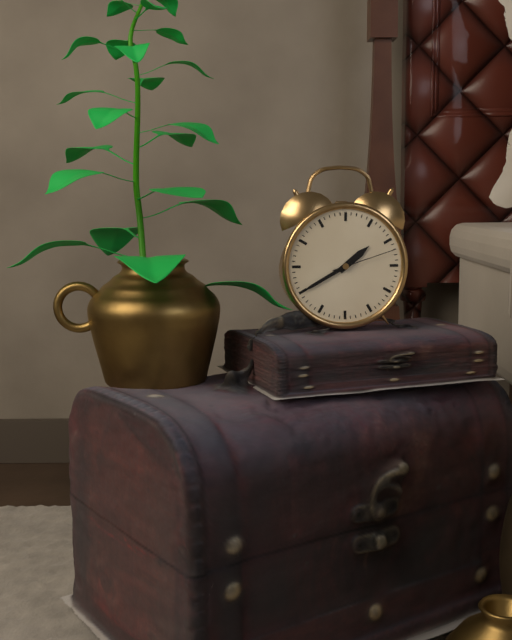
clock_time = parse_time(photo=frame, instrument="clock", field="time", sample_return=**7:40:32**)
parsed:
**1:40:12**
